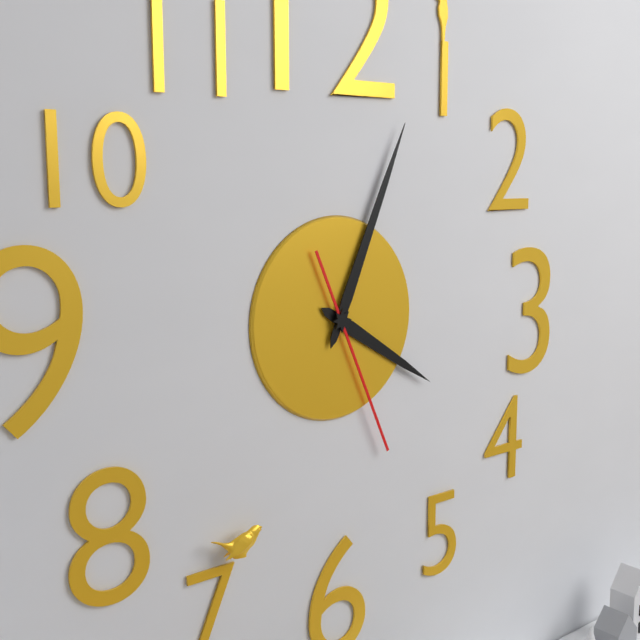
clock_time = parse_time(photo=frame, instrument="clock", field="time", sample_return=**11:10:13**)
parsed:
**4:04:26**
